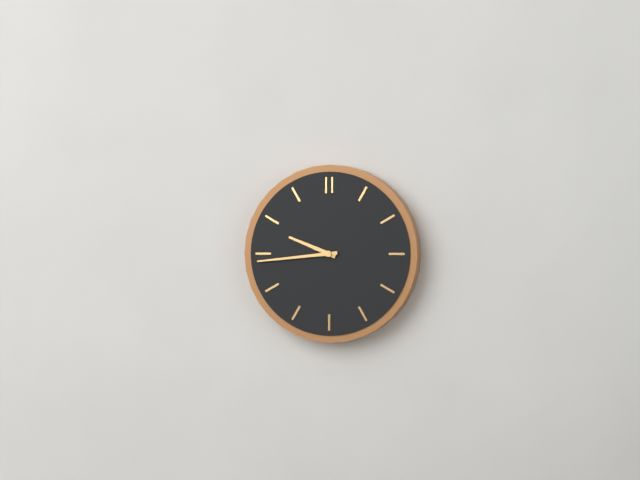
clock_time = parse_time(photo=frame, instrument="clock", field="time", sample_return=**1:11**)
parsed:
**9:44**
